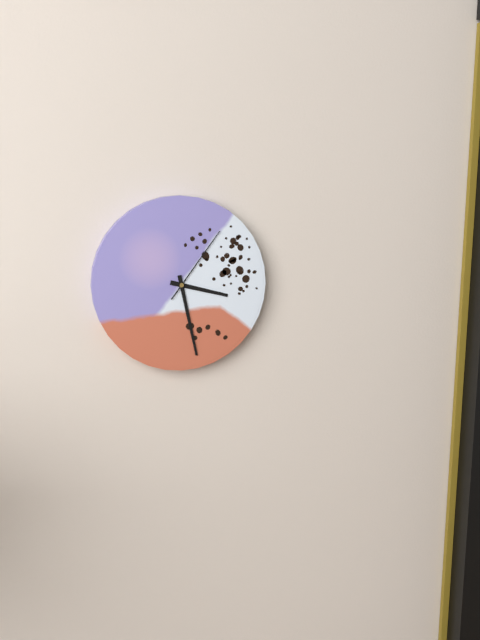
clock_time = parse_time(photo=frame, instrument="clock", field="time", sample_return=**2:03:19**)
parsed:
**3:28:06**
